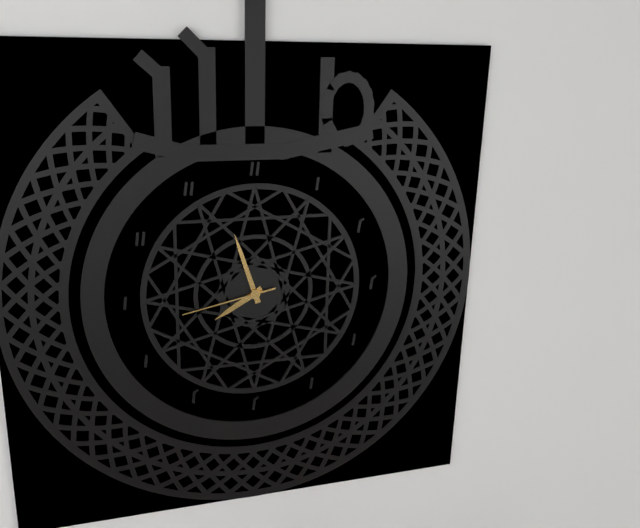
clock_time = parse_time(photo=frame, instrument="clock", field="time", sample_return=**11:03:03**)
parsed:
**7:57:43**
